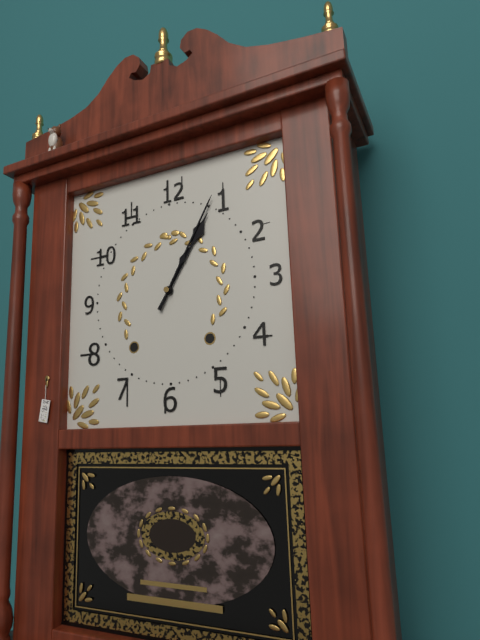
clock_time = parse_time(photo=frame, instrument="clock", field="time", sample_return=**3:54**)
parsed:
**1:05**
